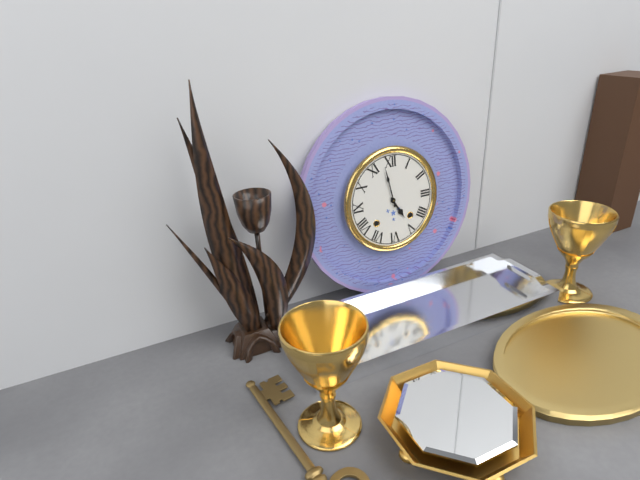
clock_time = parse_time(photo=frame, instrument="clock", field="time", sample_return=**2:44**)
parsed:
**4:58**
